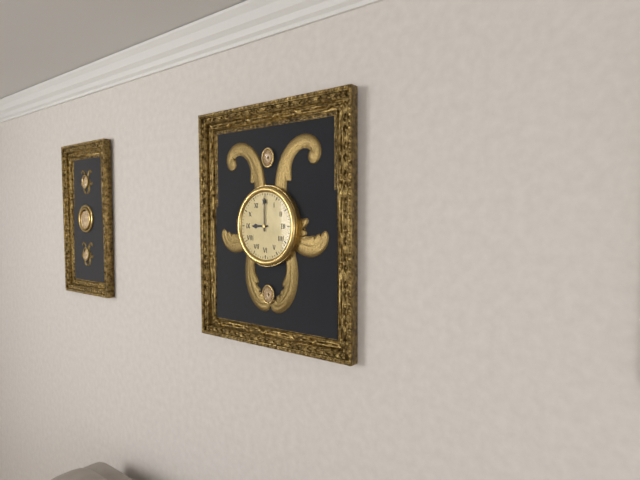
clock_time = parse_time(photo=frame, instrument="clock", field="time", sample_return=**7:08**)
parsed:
**9:00**
